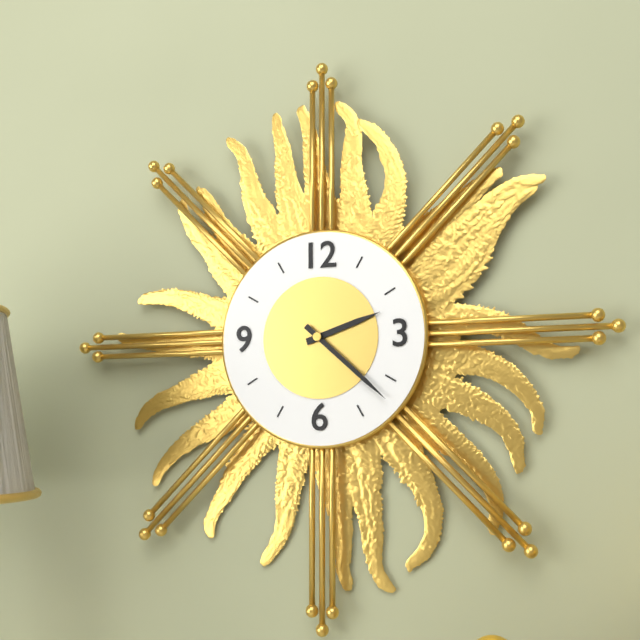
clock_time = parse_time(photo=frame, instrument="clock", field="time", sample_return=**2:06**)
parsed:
**2:22**
